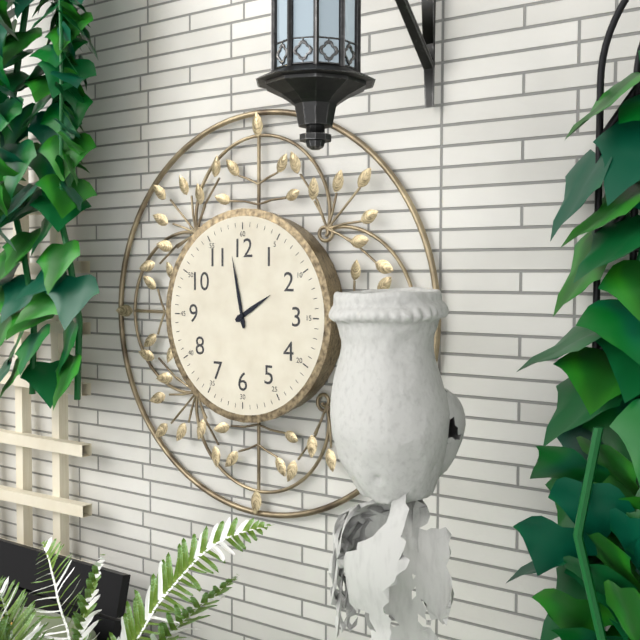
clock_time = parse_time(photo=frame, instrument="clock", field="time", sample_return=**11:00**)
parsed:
**1:58**
